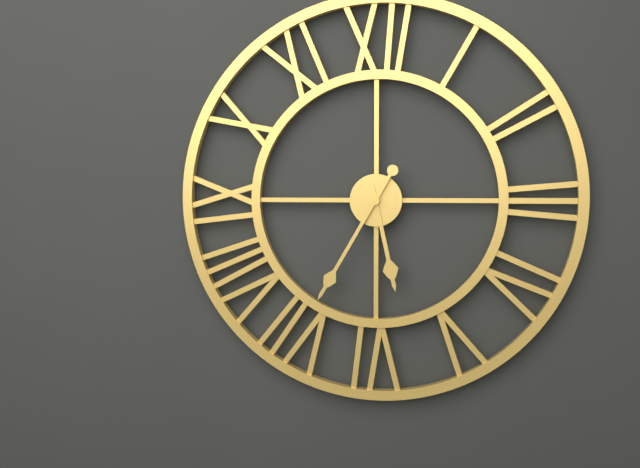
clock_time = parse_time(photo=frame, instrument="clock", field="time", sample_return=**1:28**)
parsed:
**5:35**
